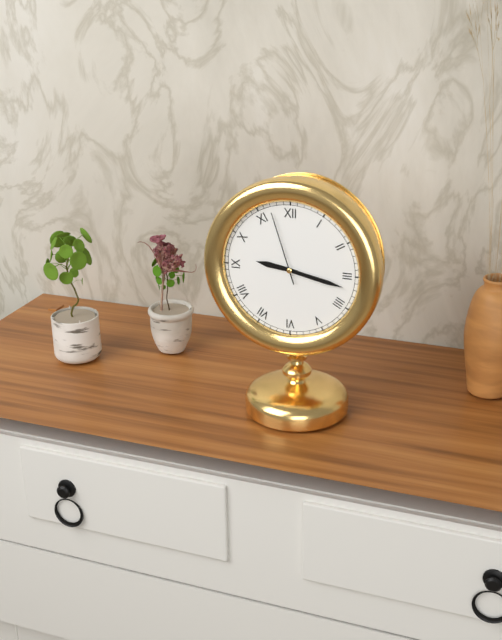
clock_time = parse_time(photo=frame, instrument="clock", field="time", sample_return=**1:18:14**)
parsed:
**9:17:57**
